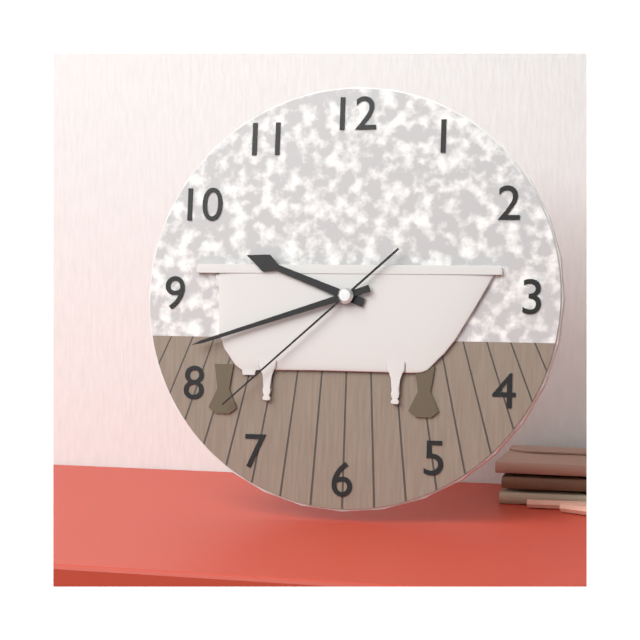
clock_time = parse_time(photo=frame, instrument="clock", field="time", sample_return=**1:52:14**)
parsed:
**9:42:38**
